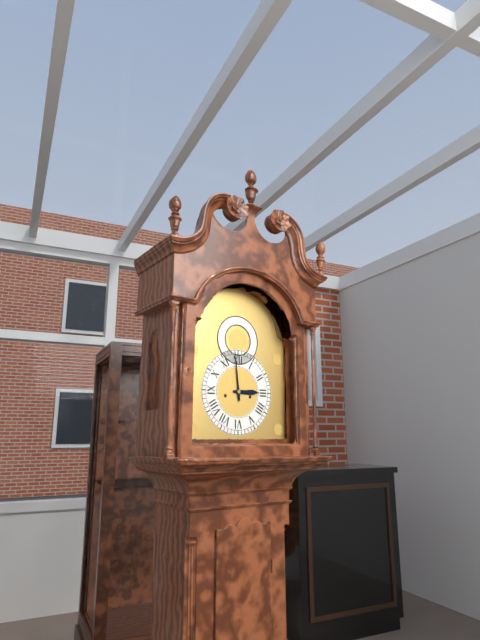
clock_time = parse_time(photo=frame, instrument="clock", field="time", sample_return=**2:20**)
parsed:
**2:59**
